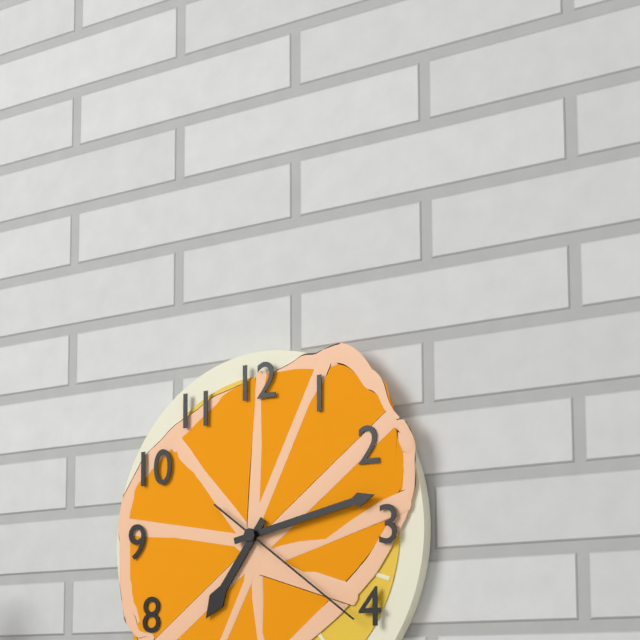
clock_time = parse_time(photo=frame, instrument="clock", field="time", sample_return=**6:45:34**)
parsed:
**7:13:21**
